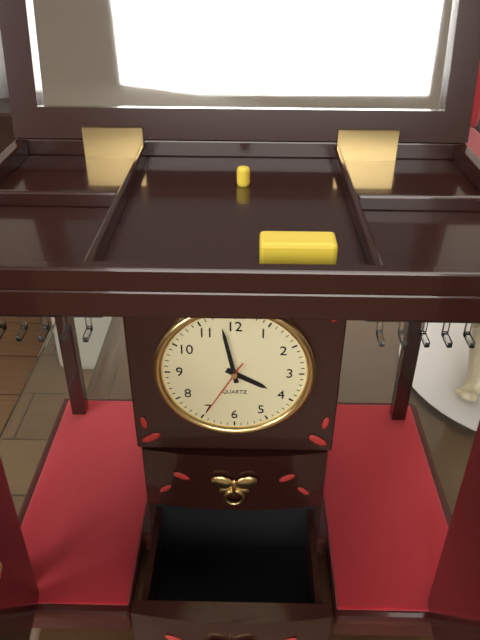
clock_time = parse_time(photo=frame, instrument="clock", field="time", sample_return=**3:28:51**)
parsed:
**3:58:35**
